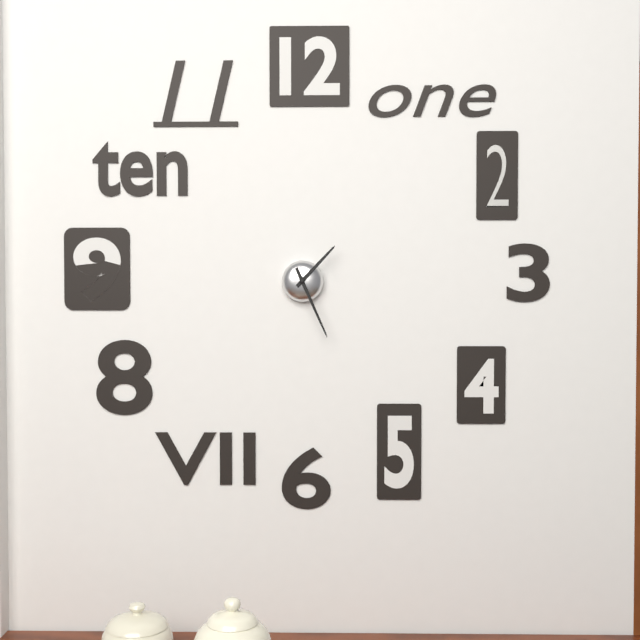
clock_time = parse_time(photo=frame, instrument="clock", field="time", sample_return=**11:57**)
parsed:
**1:26**
